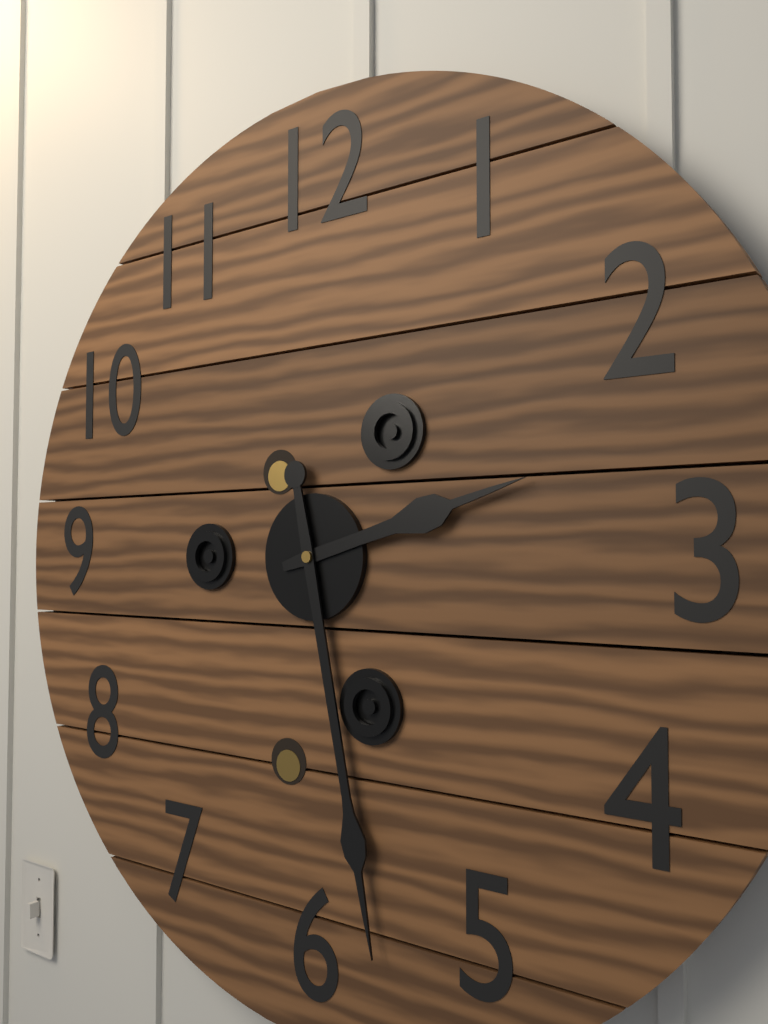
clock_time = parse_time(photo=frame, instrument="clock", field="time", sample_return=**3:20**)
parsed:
**2:28**
